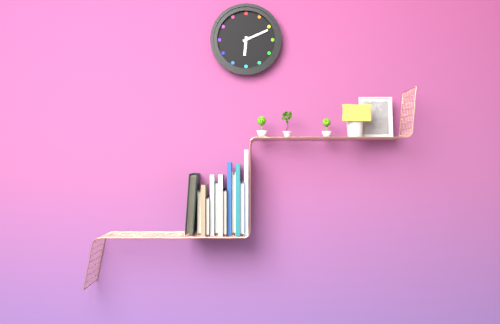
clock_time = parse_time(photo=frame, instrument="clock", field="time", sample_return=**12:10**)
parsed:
**6:11**
